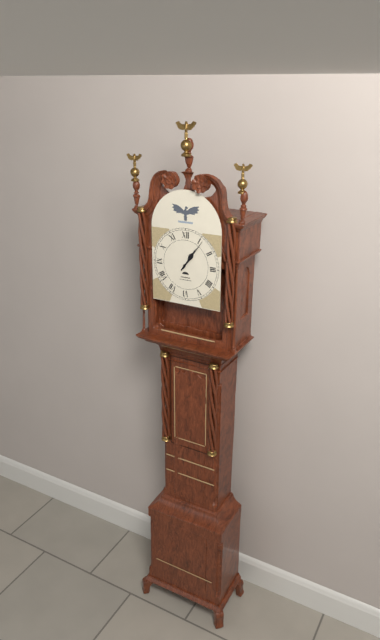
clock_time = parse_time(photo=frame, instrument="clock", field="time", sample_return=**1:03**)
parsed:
**1:06**
